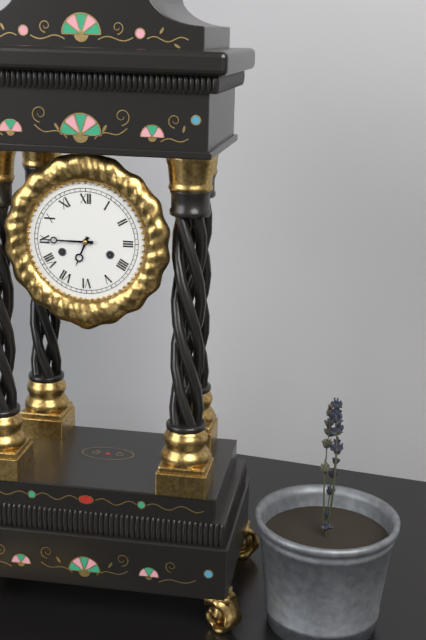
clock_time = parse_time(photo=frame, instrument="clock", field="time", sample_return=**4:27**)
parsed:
**6:45**
